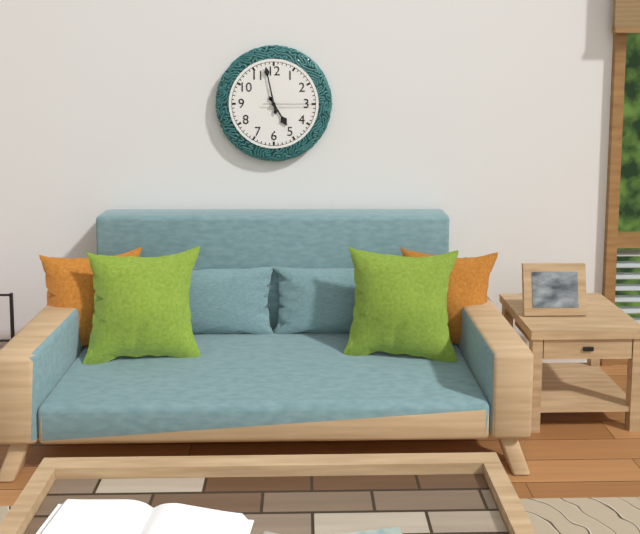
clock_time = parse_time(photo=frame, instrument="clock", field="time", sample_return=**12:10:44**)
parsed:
**4:58:15**
